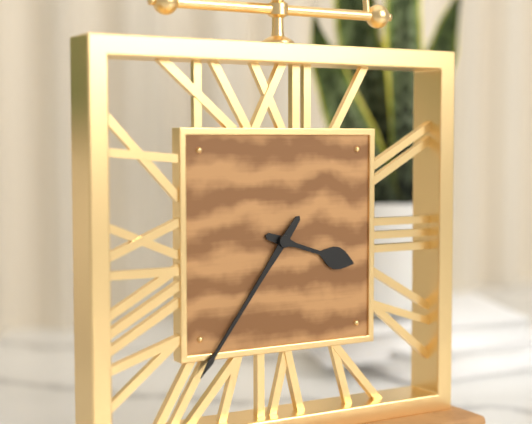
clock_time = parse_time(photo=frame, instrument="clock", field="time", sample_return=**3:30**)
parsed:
**3:36**
